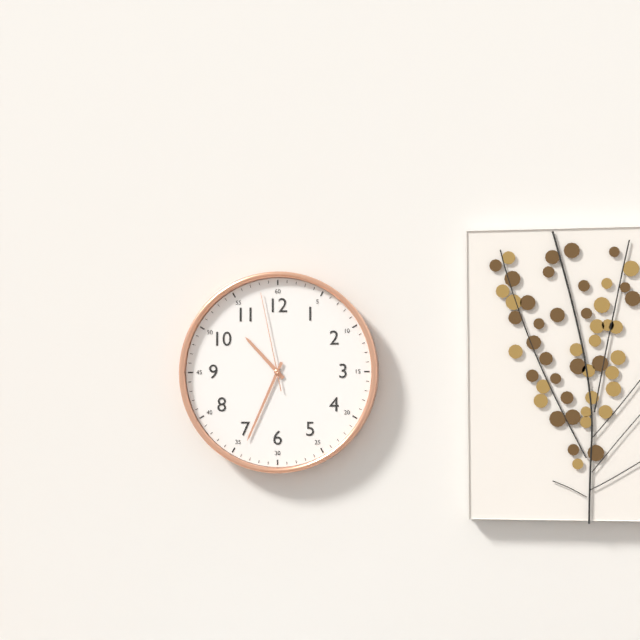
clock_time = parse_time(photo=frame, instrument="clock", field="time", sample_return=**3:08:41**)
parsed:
**10:34:58**
